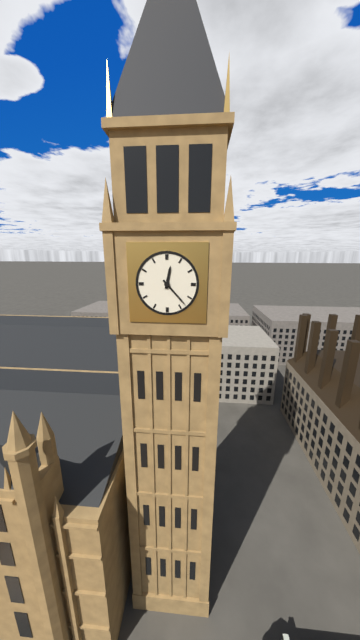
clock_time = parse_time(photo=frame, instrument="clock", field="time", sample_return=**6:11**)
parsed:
**12:23**
